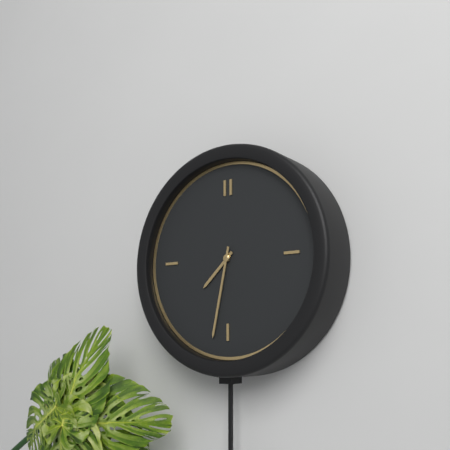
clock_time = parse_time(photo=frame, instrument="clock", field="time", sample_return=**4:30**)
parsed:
**7:32**
